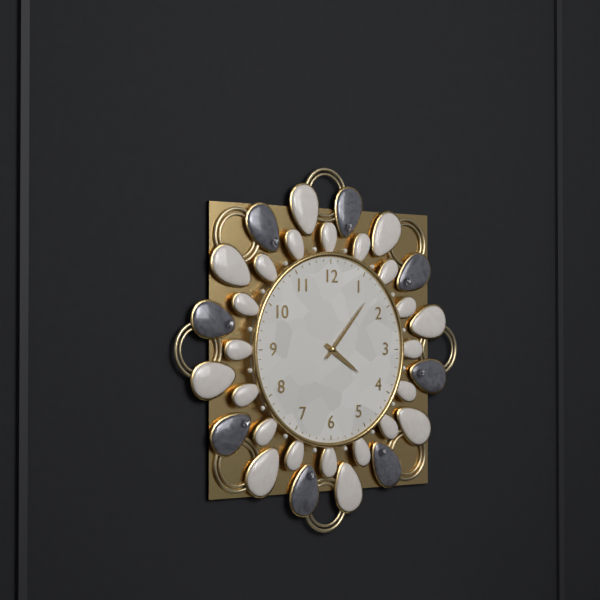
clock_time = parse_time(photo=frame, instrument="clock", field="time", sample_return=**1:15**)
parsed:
**4:07**
